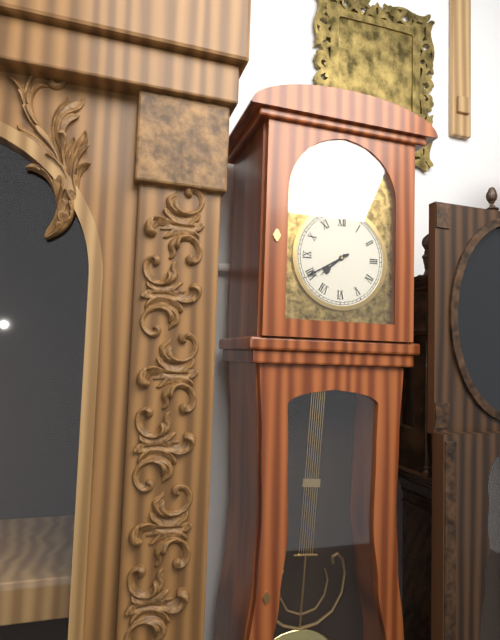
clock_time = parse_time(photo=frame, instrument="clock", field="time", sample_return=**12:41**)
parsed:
**7:40**
